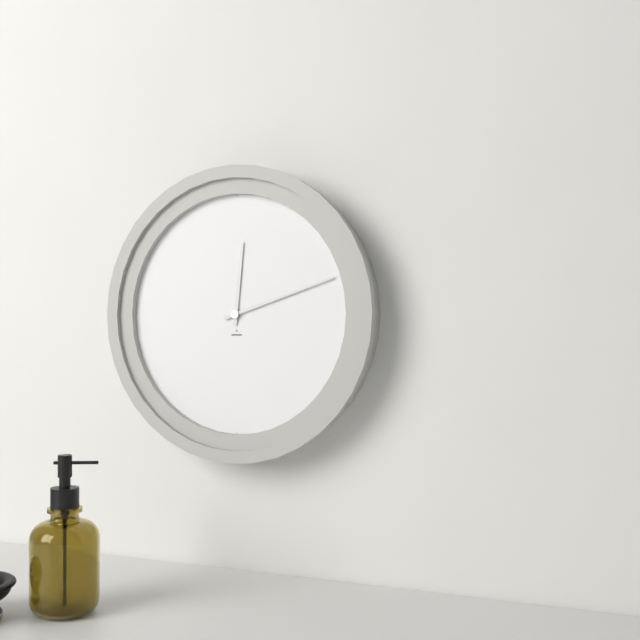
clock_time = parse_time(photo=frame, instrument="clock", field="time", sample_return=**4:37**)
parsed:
**12:12**
